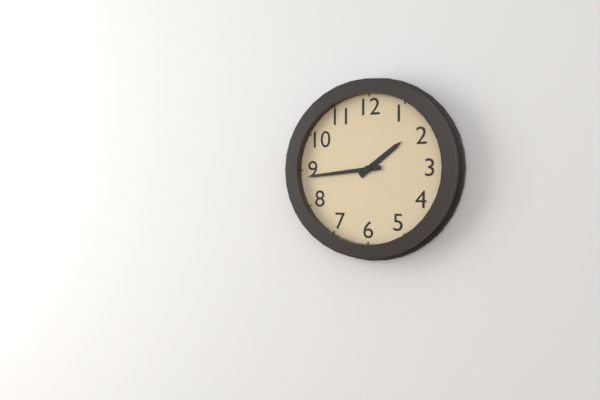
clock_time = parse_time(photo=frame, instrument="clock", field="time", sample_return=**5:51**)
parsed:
**1:44**
